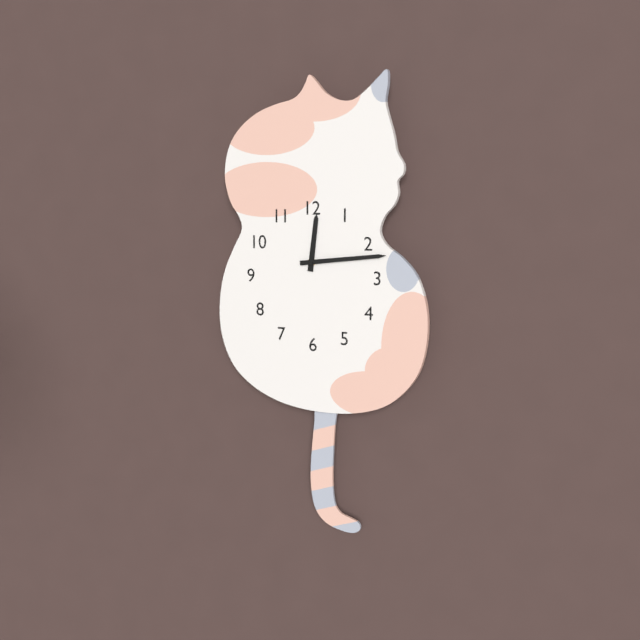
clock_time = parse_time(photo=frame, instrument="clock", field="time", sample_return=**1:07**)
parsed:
**12:14**
